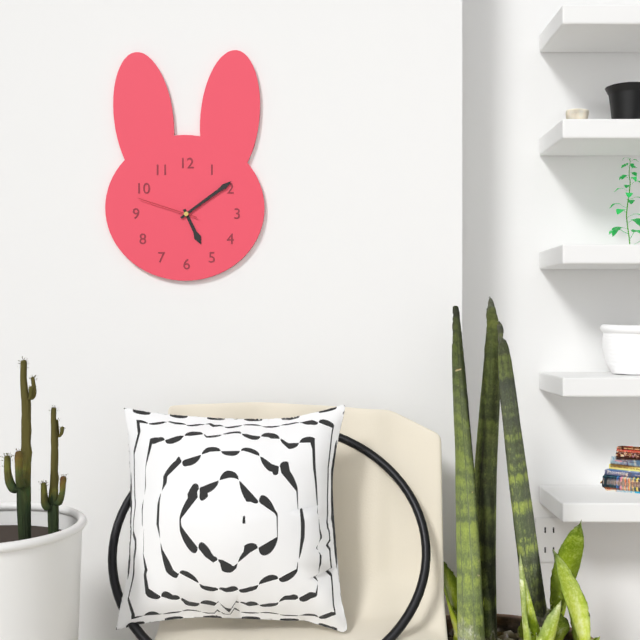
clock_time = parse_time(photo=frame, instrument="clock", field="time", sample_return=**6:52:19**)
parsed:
**5:09:48**
